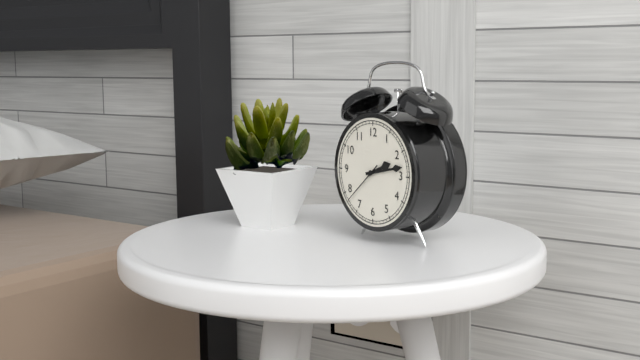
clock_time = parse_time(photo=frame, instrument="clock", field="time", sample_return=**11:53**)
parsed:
**2:13**
